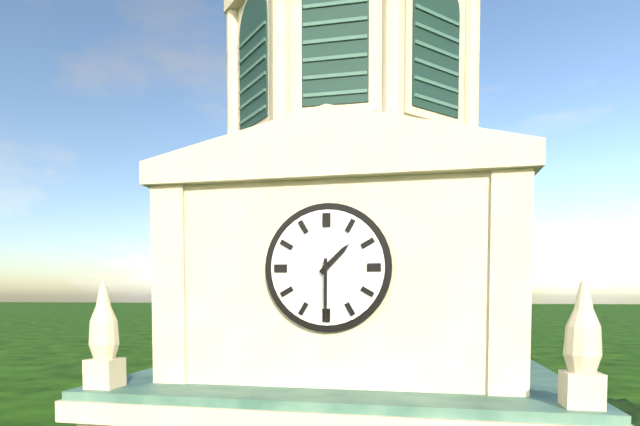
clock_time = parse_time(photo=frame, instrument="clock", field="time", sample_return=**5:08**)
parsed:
**1:30**
